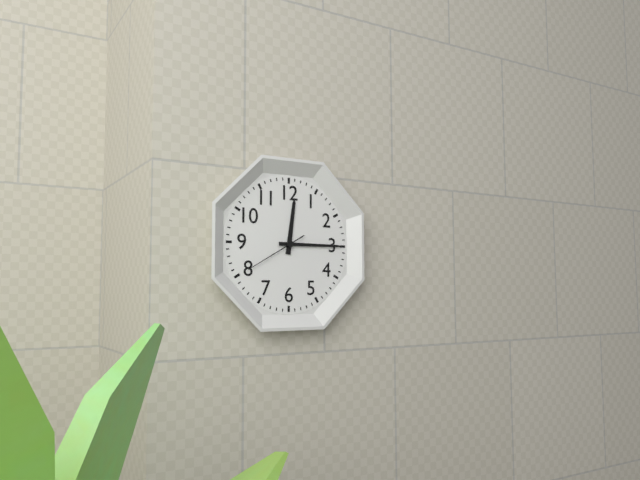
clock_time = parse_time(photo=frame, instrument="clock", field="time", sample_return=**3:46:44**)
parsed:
**12:15:40**
